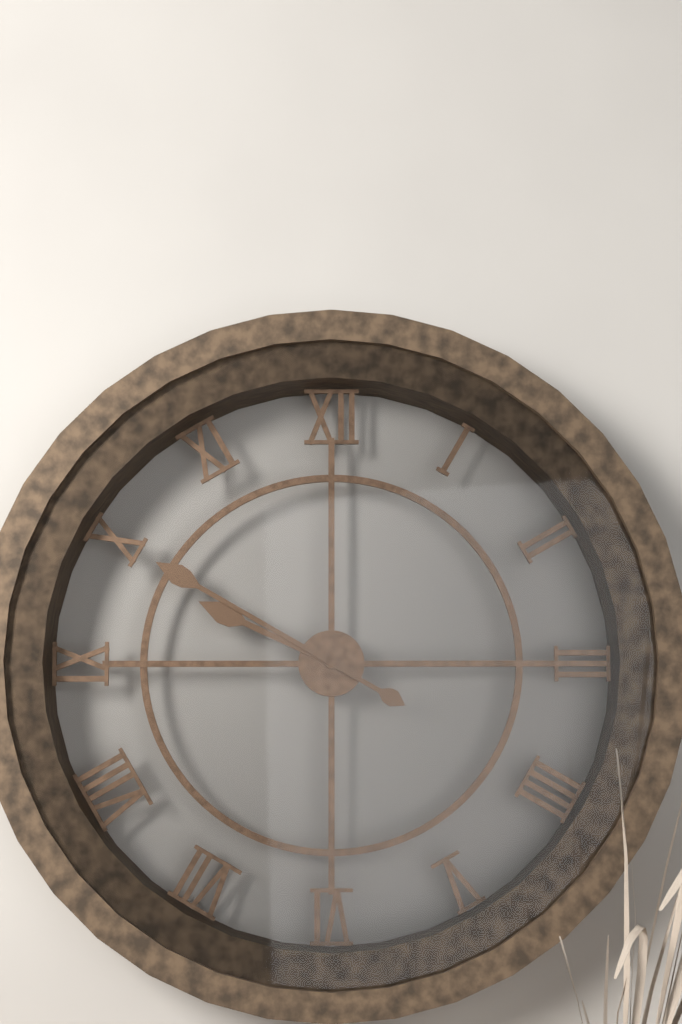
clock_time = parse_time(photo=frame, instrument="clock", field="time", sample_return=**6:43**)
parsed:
**9:50**
